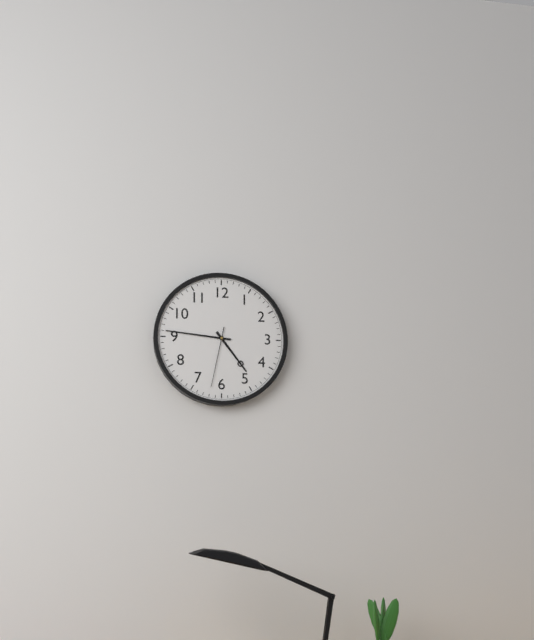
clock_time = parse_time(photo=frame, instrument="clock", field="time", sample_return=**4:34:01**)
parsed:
**4:46:32**
